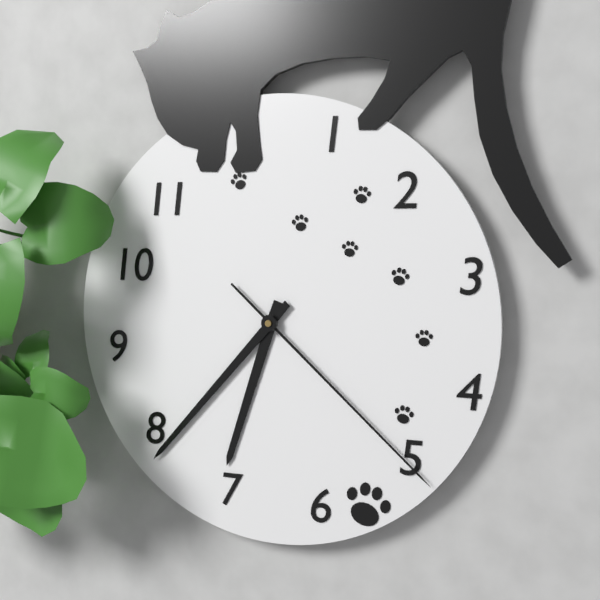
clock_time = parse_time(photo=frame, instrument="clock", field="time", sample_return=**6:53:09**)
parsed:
**6:37:22**
